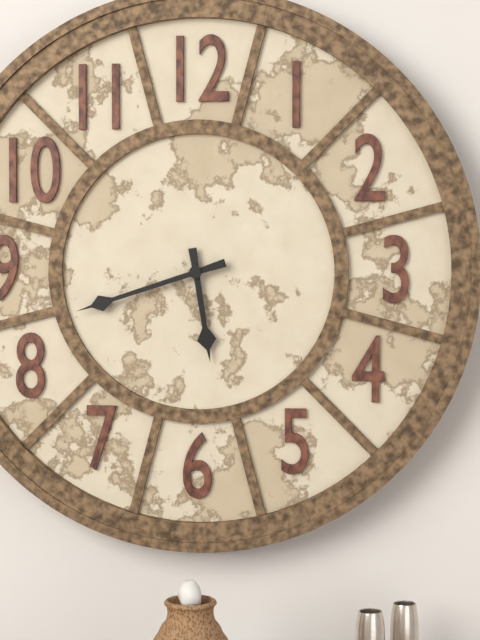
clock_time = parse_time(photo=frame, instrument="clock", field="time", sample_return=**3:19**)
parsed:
**5:42**
